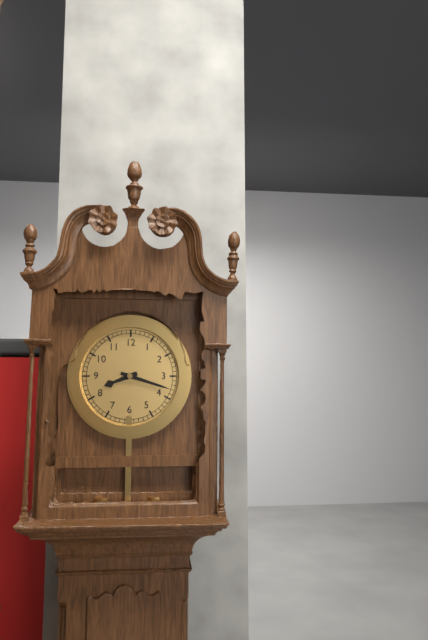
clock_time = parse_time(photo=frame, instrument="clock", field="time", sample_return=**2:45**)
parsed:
**8:18**
